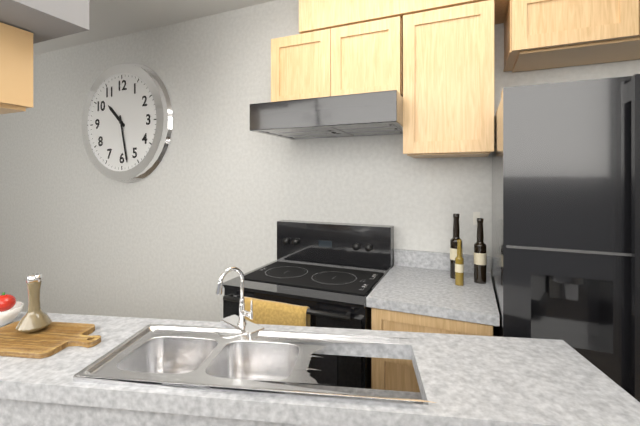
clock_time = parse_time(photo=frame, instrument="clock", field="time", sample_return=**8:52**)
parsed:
**10:28**
